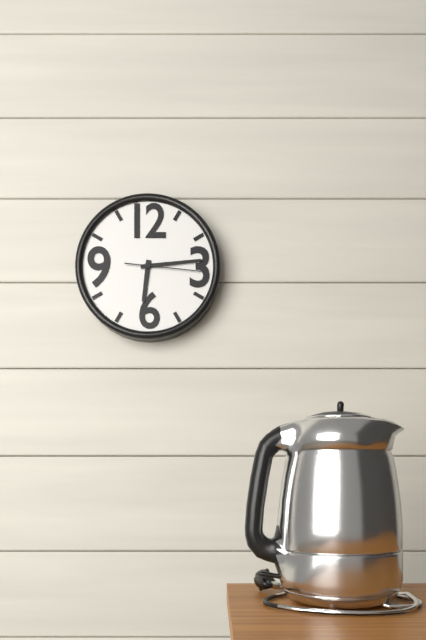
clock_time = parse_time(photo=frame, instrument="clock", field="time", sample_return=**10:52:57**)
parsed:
**6:14:16**
